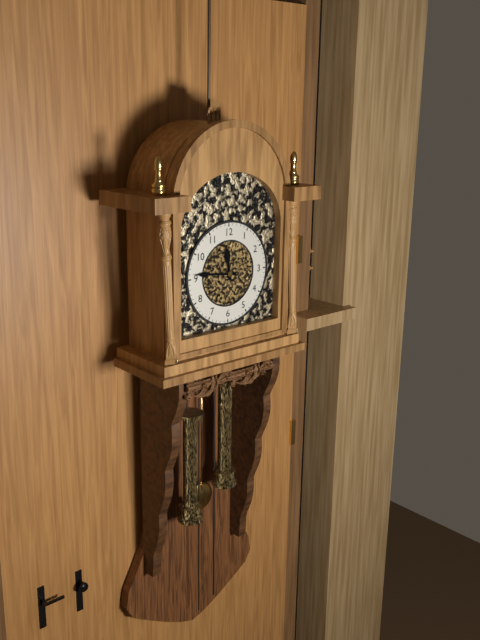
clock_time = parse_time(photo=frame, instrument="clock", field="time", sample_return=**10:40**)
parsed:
**11:46**
